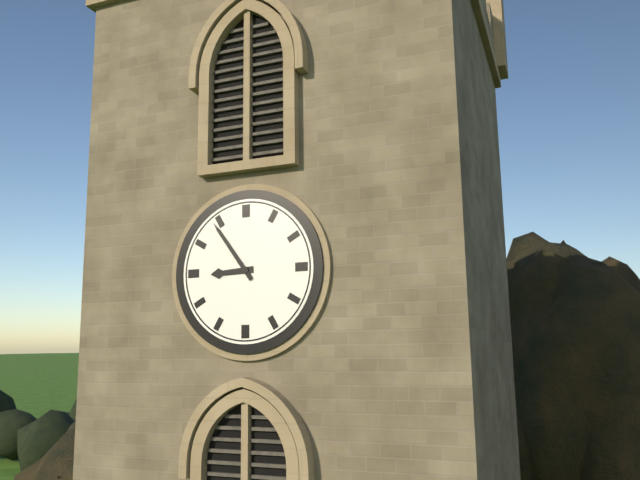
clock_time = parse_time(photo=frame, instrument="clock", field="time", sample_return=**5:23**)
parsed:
**8:54**
